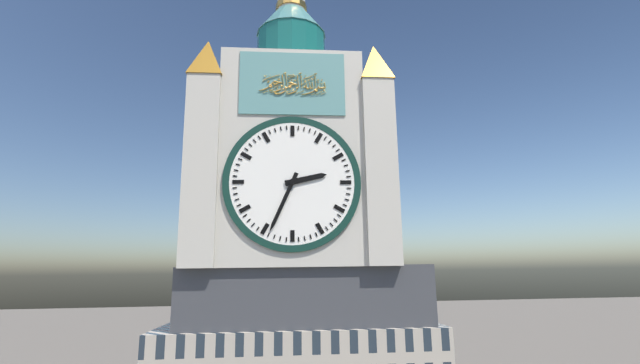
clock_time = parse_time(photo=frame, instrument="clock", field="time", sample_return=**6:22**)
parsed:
**2:34**
